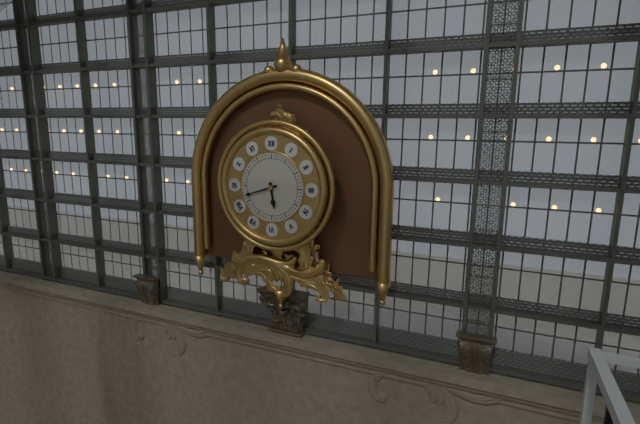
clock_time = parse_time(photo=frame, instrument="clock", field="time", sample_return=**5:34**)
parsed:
**5:42**
